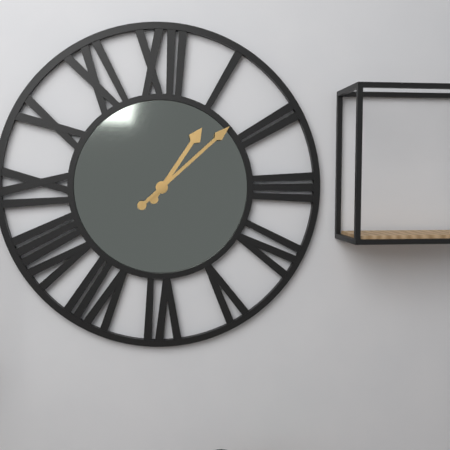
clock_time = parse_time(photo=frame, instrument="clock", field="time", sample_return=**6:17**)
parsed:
**1:08**
